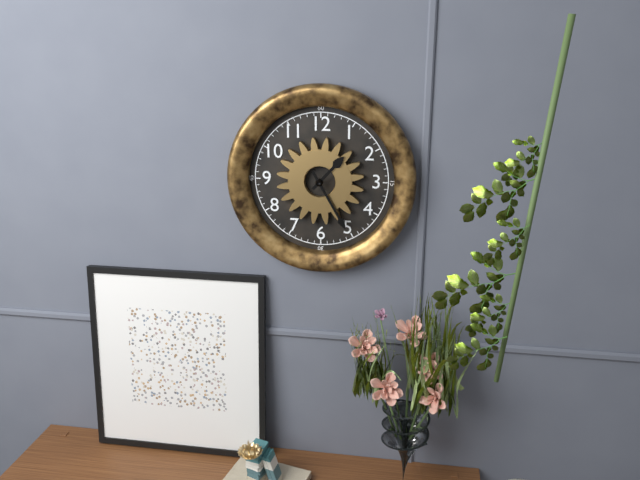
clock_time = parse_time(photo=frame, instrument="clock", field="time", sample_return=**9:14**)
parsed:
**1:25**
